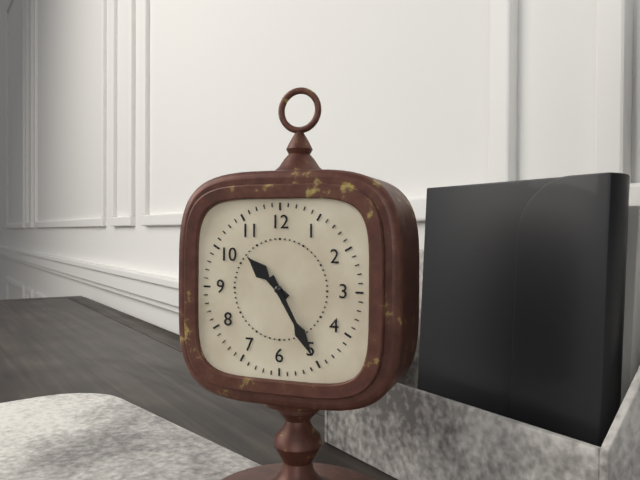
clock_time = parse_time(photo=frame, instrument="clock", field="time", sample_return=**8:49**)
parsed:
**10:25**
